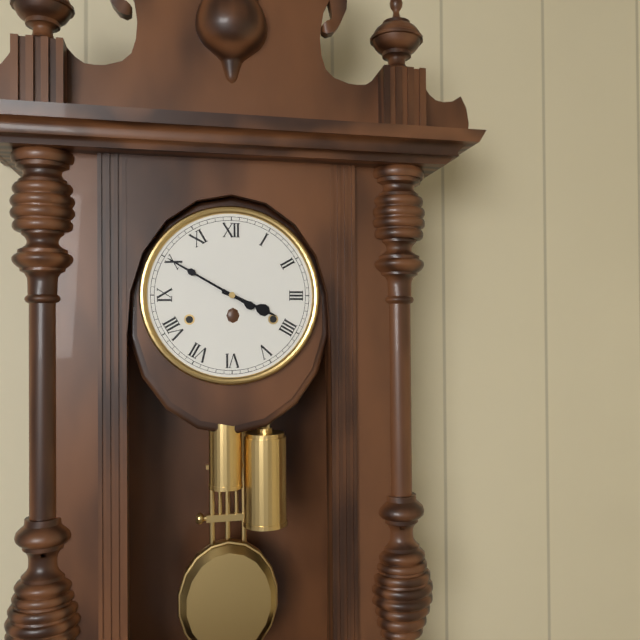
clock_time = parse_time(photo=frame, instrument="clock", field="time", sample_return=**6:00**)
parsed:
**3:50**
